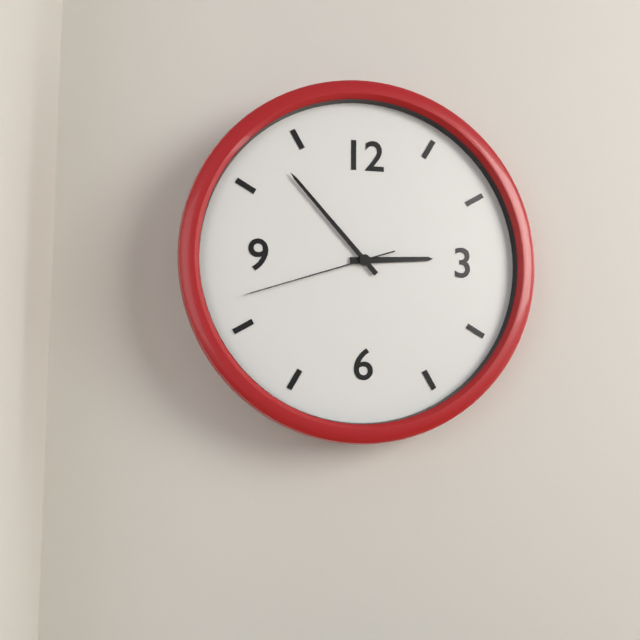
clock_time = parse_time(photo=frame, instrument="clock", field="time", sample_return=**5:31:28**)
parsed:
**2:53:42**
